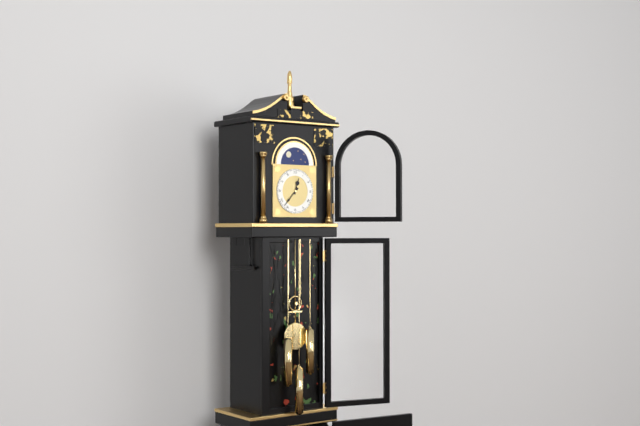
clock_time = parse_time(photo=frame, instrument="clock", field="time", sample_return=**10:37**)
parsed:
**12:37**
